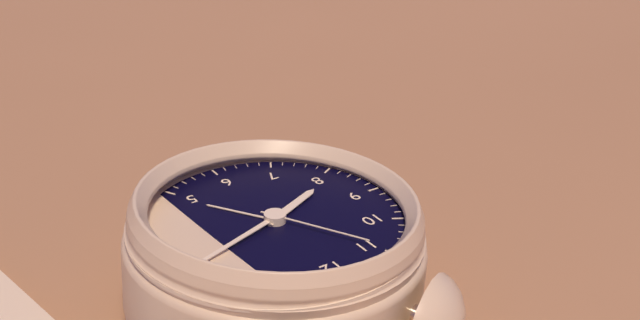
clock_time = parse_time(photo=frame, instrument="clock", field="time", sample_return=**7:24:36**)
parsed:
**8:12:55**
